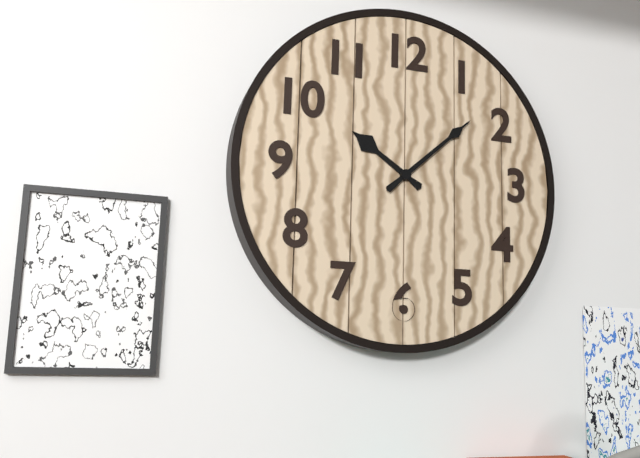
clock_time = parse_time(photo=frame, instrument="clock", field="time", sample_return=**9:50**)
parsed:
**10:08**
